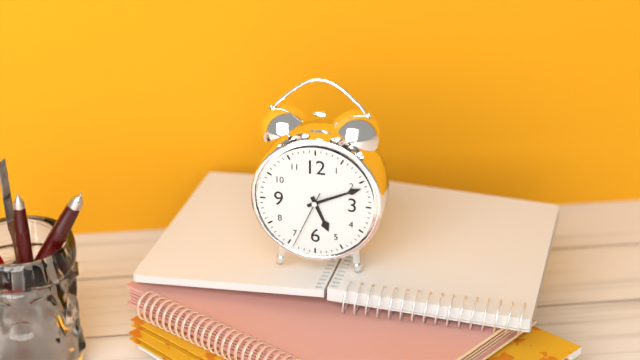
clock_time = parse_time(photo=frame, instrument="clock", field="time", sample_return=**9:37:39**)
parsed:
**5:11:34**
